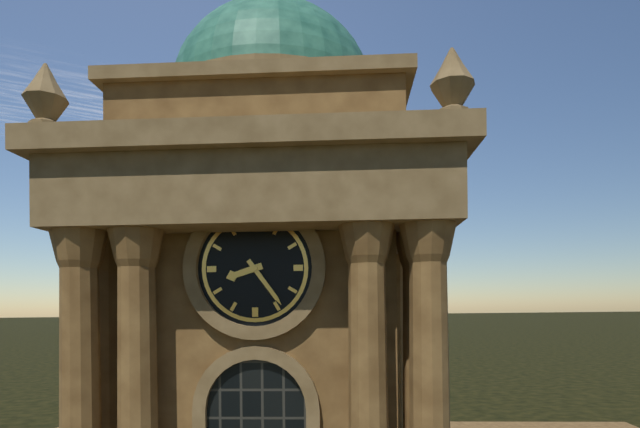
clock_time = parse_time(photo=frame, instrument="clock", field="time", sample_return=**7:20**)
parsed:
**8:24**
